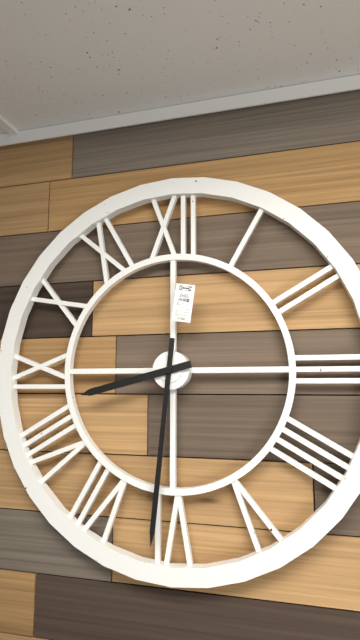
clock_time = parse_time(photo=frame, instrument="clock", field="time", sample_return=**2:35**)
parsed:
**8:31**
